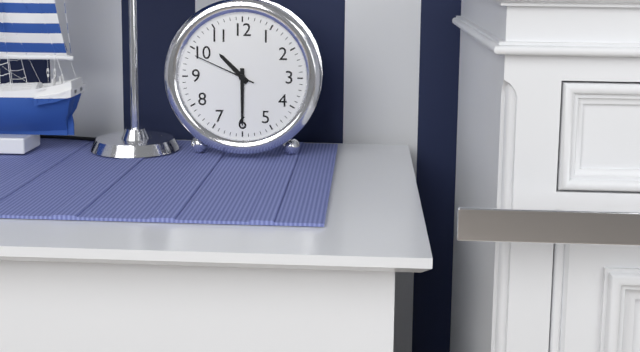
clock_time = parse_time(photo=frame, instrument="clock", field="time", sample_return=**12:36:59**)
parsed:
**10:30:49**
